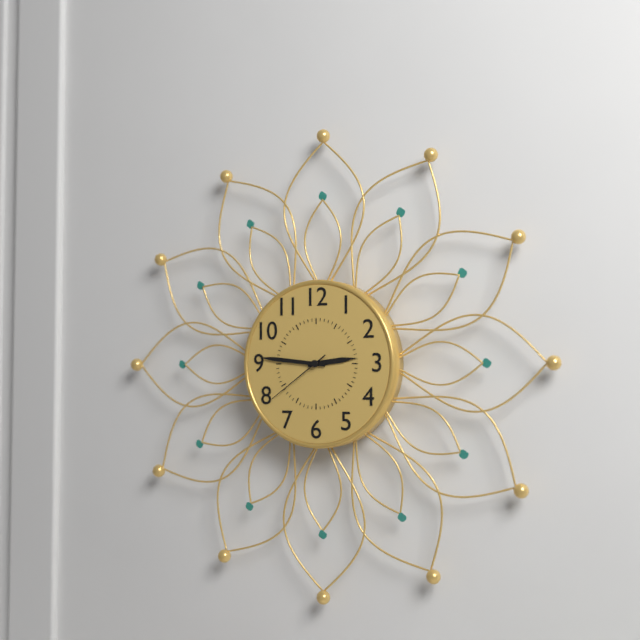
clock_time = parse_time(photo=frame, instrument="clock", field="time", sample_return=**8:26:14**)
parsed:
**2:46:39**
